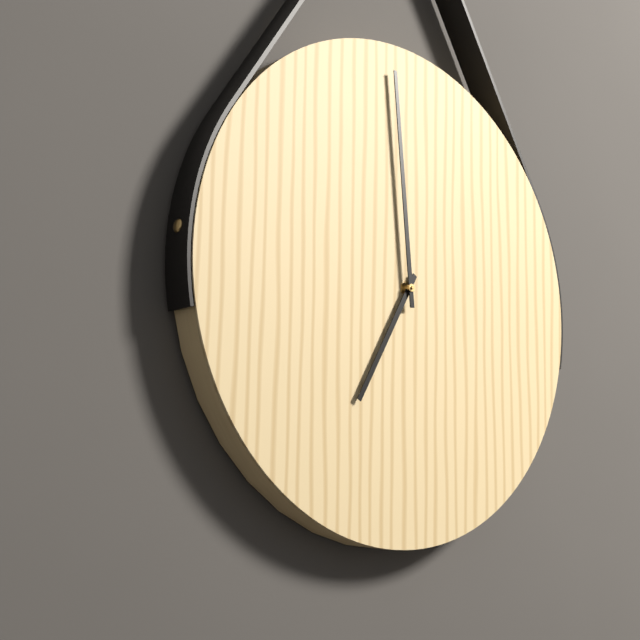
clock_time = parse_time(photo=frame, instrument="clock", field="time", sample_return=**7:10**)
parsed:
**6:59**
